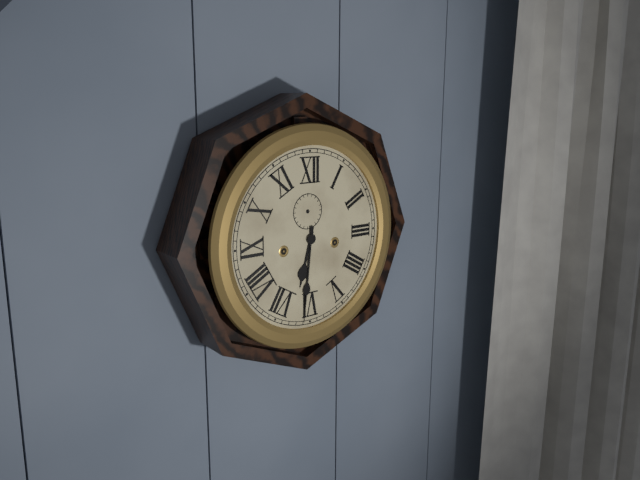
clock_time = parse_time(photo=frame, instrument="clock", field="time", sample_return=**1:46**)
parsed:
**6:31**
